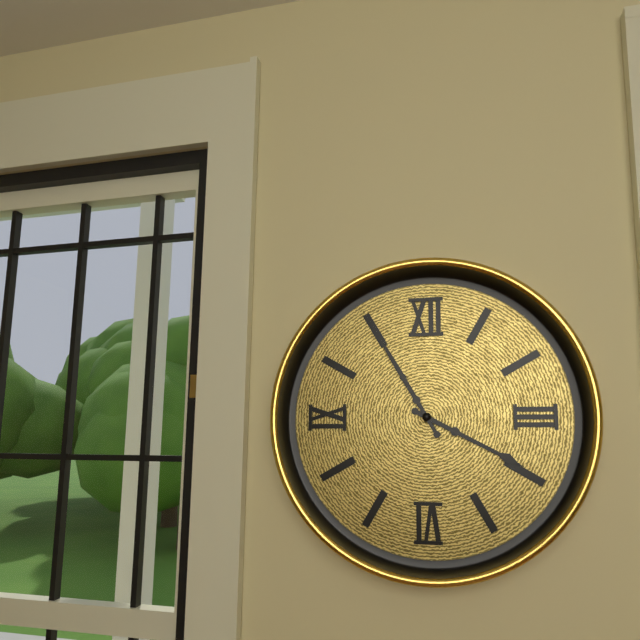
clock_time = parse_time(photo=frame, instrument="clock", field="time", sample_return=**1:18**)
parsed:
**3:55**
